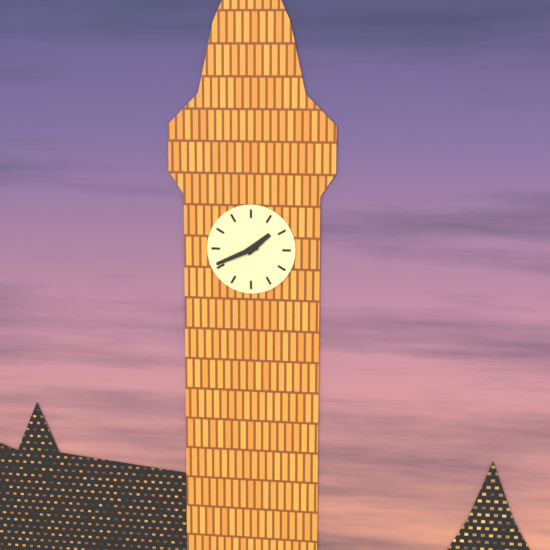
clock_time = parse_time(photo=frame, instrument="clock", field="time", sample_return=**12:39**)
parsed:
**1:41**
